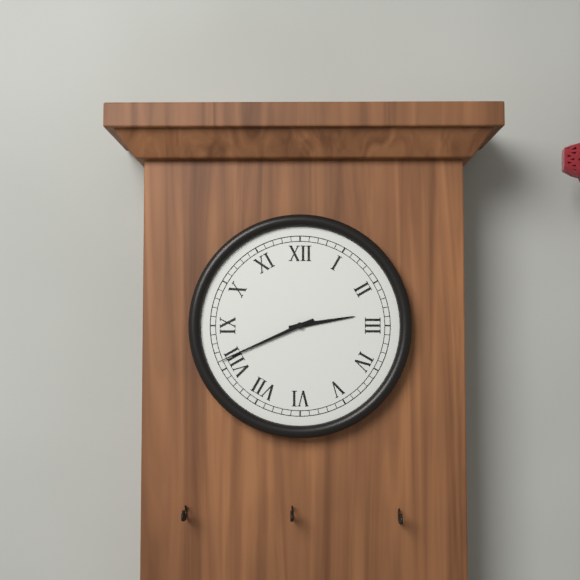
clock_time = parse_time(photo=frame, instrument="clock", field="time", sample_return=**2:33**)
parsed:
**2:41**
